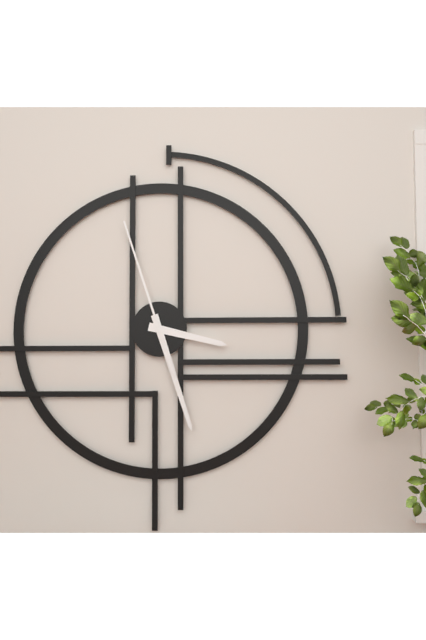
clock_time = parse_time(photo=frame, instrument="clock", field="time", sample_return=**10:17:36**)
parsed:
**3:27:57**
